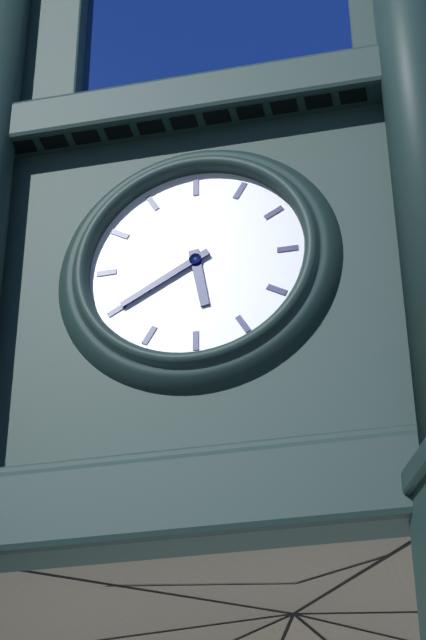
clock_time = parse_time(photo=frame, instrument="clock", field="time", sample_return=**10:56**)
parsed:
**5:40**
